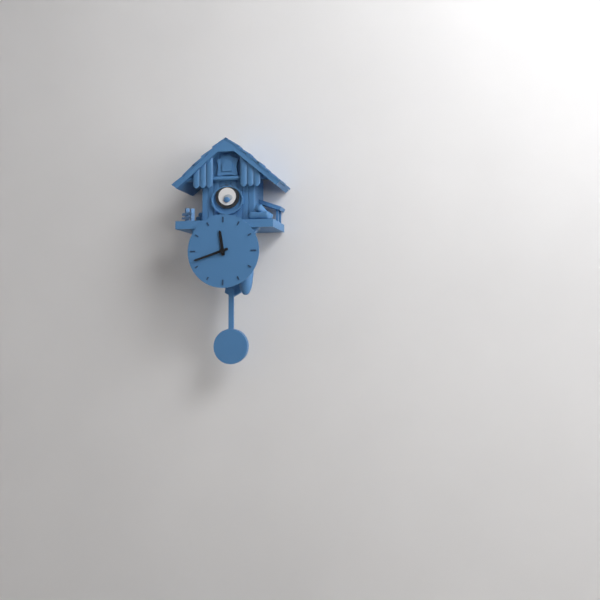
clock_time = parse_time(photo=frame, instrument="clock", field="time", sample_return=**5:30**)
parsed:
**11:42**
